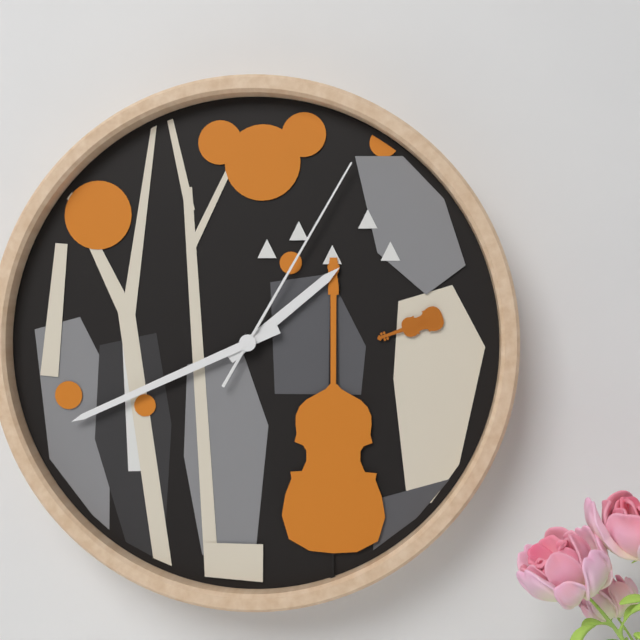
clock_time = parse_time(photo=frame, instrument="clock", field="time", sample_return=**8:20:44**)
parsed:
**1:41:05**
